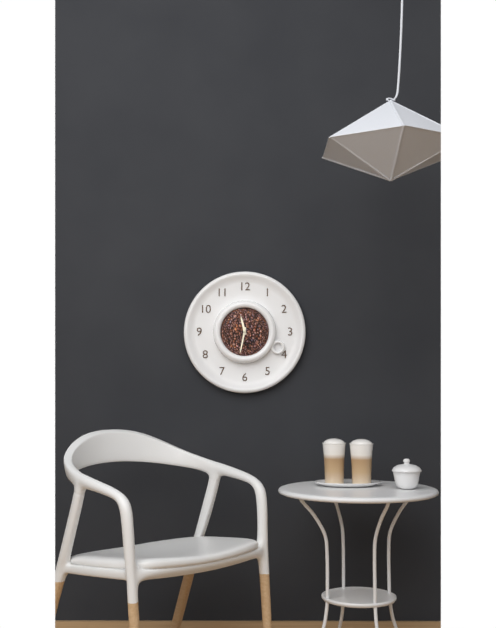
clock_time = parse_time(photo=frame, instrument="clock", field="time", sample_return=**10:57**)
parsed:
**11:32**
